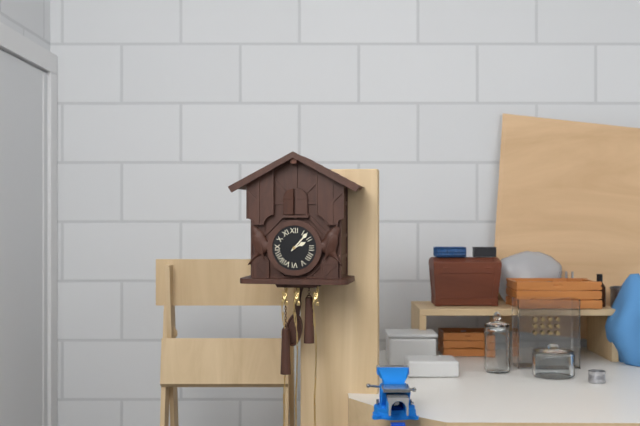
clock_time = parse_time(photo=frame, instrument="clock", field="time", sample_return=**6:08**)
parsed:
**2:07**
